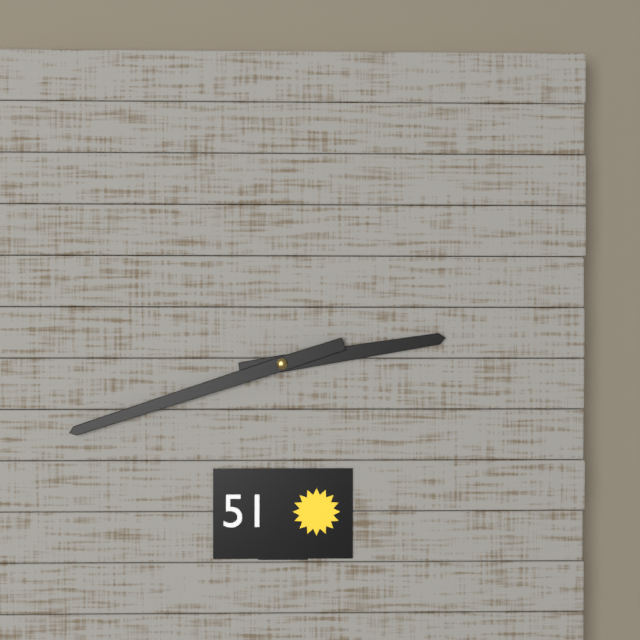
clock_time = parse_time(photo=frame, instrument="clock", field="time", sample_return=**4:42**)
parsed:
**2:42**
